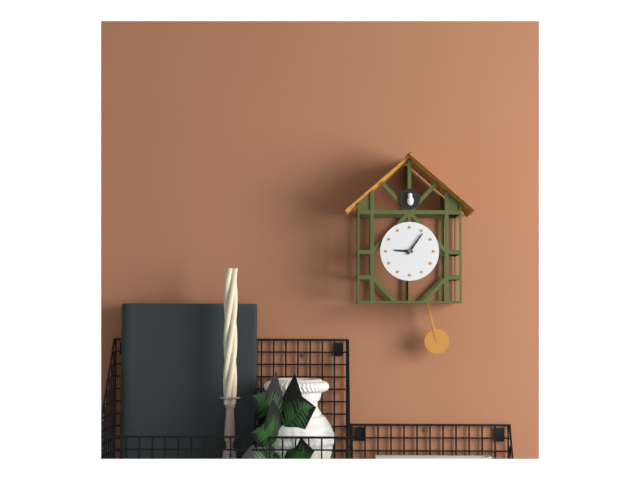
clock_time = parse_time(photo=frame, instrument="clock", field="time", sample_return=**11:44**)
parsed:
**9:06**
